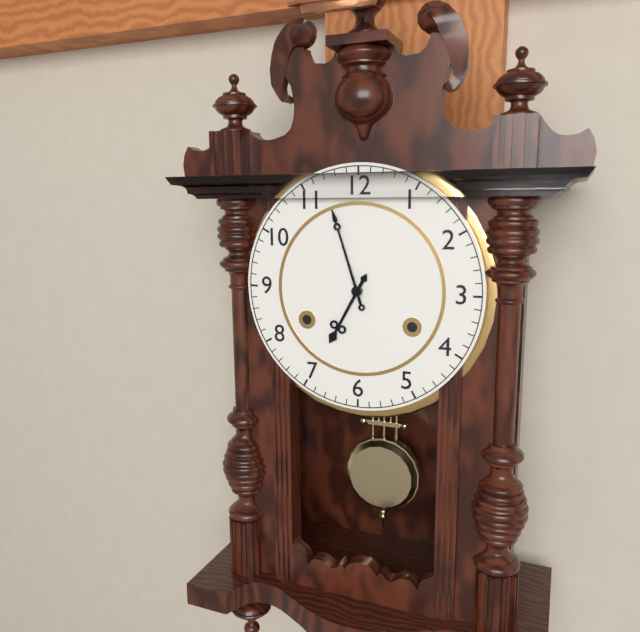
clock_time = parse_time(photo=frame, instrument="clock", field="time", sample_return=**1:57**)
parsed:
**6:57**
